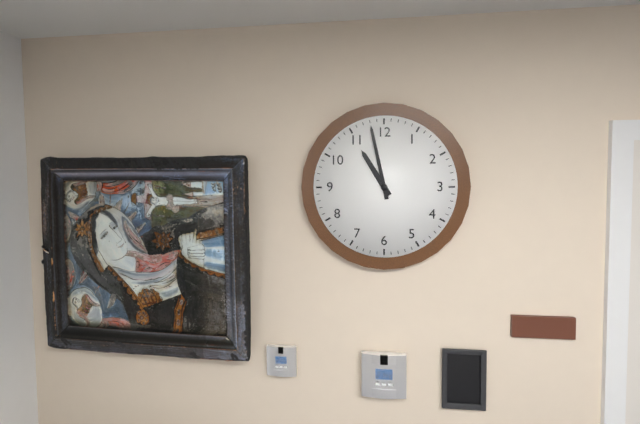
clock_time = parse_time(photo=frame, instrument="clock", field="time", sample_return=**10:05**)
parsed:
**10:58**
